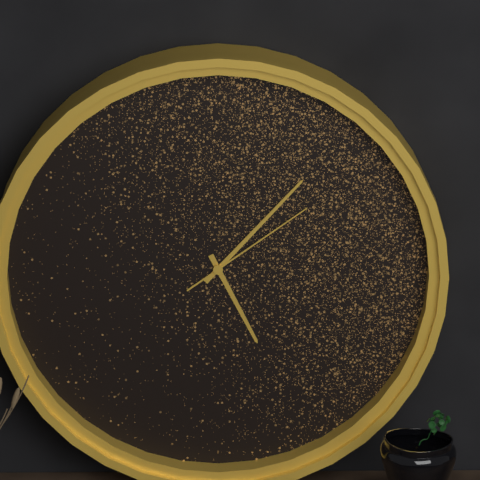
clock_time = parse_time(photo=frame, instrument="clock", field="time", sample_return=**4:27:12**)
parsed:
**5:07:09**
